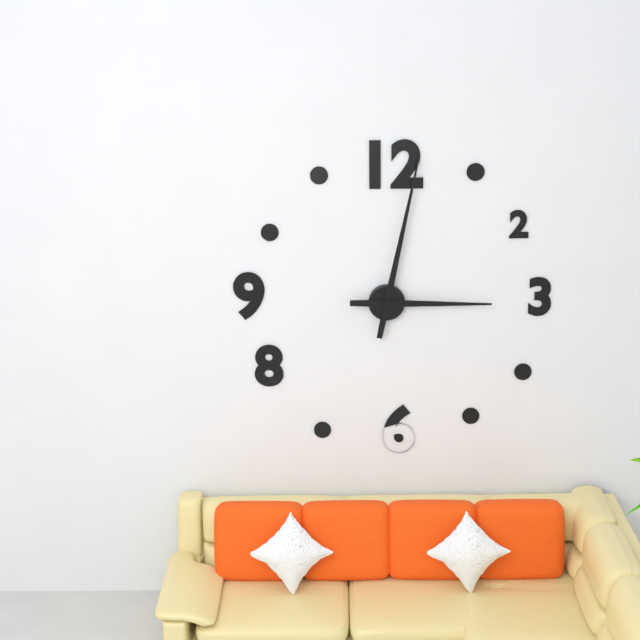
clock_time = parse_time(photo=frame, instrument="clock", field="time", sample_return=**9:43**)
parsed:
**3:02**
